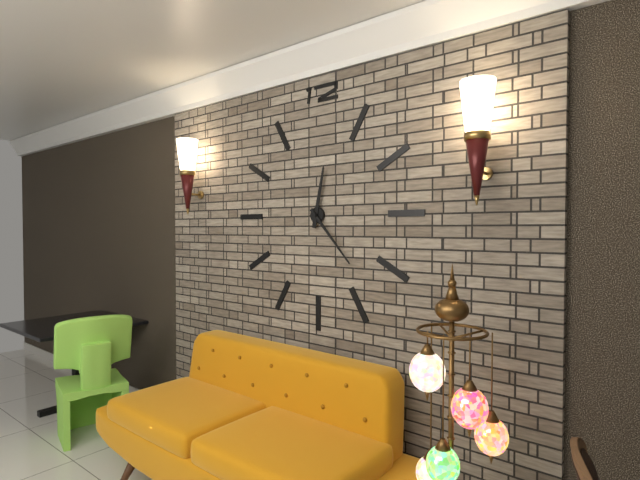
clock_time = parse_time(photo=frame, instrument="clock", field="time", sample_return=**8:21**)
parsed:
**12:23**
